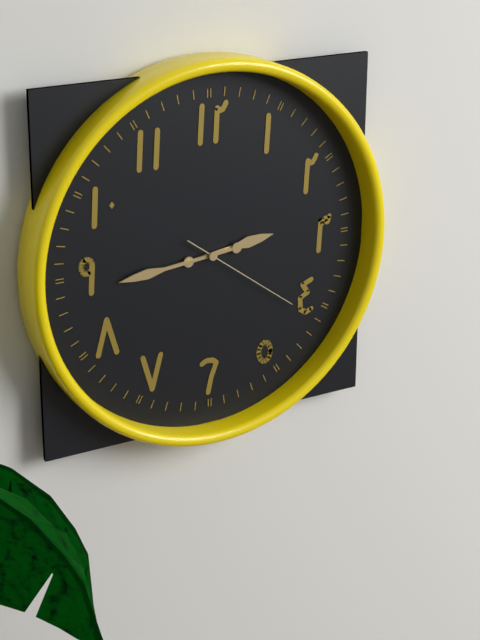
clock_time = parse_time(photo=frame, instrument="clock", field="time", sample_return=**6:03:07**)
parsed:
**2:44:21**
